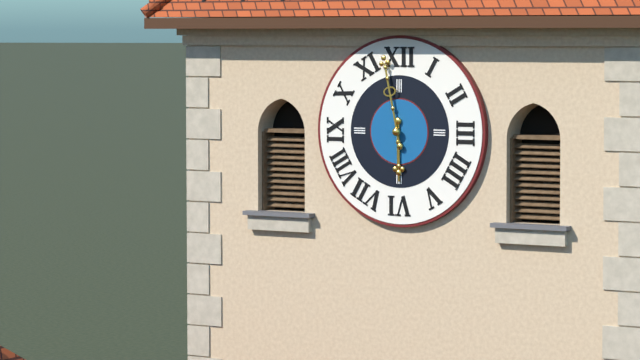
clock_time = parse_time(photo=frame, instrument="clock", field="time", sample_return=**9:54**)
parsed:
**5:58**
